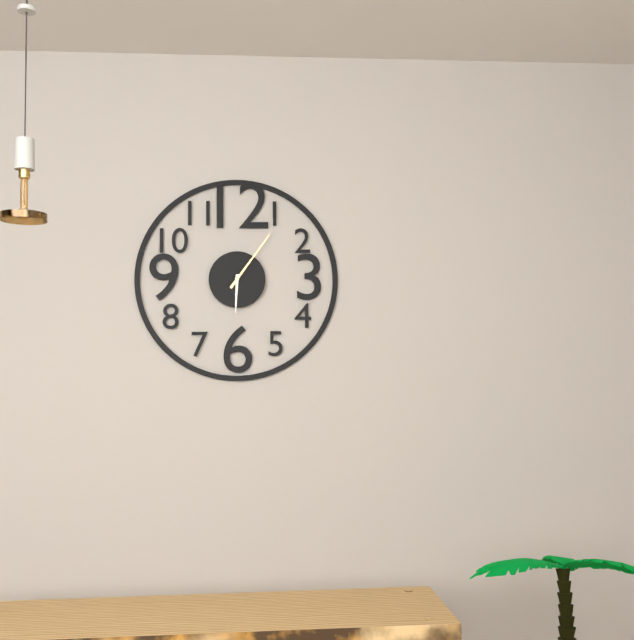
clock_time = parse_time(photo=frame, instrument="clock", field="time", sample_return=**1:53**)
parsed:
**6:06**
